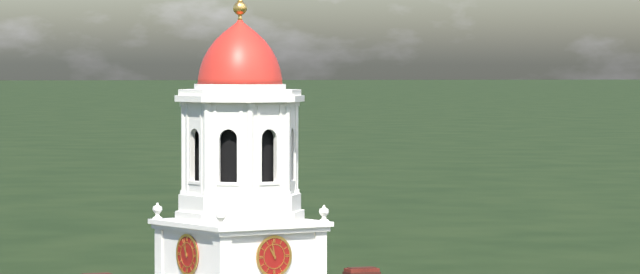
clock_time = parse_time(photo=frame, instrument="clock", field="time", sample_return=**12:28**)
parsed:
**10:58**
